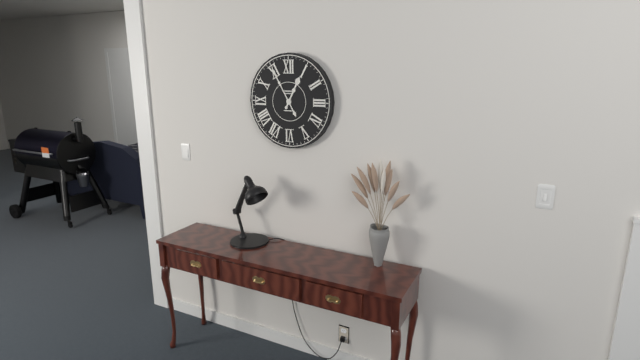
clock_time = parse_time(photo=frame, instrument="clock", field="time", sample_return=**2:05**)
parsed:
**12:55**
